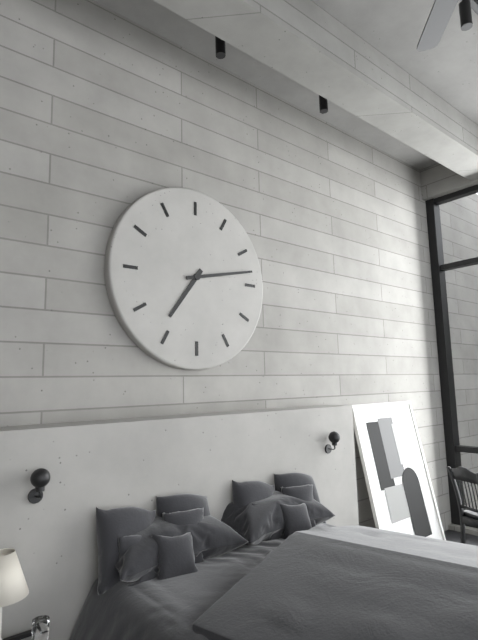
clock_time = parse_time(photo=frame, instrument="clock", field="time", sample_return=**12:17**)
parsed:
**7:13**
